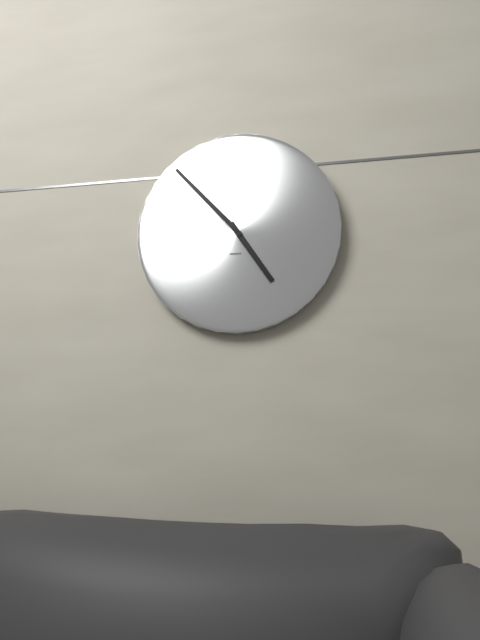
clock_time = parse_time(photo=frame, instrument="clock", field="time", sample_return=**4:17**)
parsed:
**4:53**
